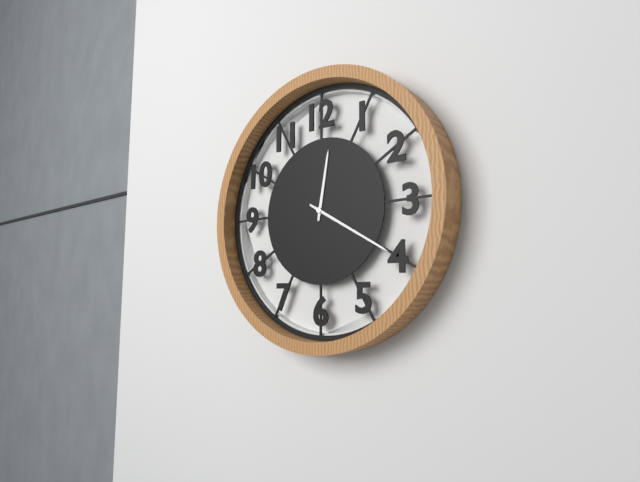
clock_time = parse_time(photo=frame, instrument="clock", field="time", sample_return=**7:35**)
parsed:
**12:20**
